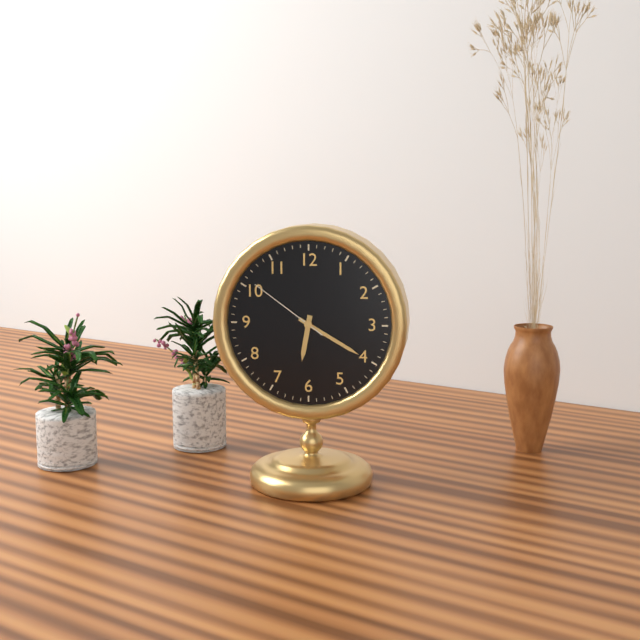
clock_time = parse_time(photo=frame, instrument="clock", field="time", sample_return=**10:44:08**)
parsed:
**6:20:51**
